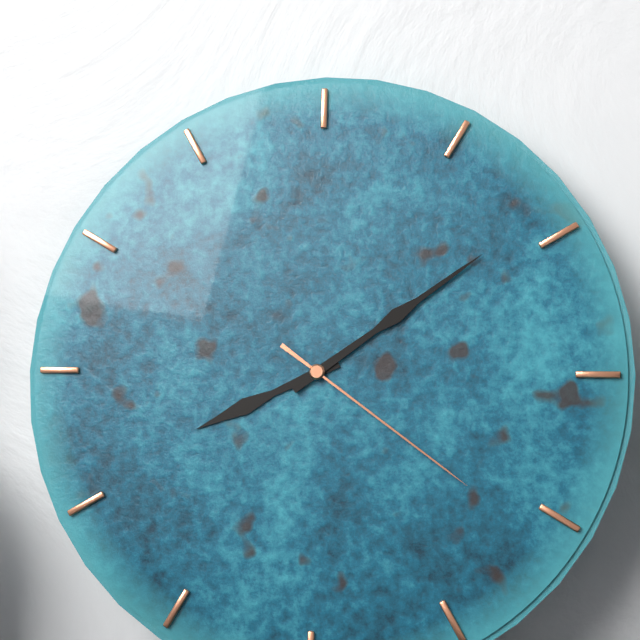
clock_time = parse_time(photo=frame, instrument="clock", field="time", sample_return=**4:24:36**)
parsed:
**8:09:21**
